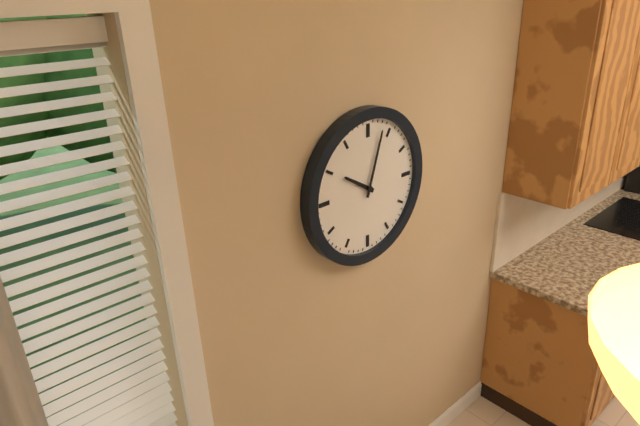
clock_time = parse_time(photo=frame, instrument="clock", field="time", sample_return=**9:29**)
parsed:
**10:03**
